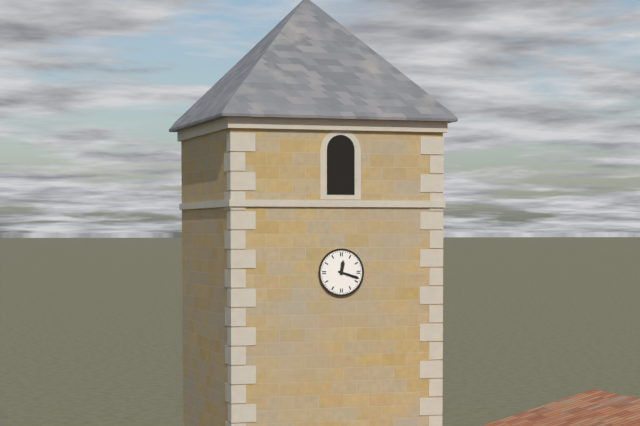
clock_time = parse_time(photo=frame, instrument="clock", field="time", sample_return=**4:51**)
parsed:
**12:18**
